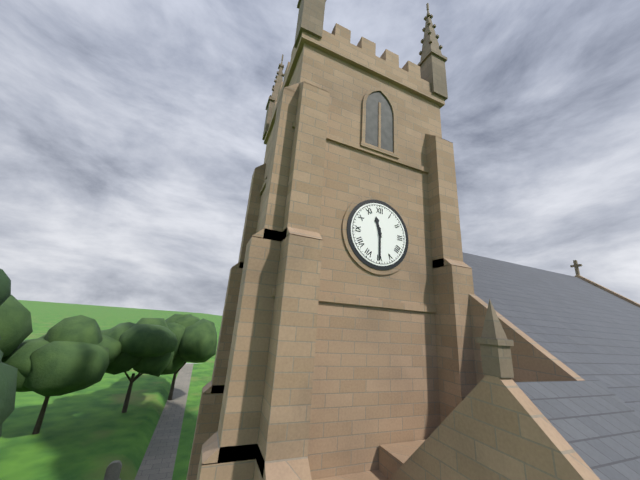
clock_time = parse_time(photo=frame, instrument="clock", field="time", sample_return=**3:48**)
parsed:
**11:30**
